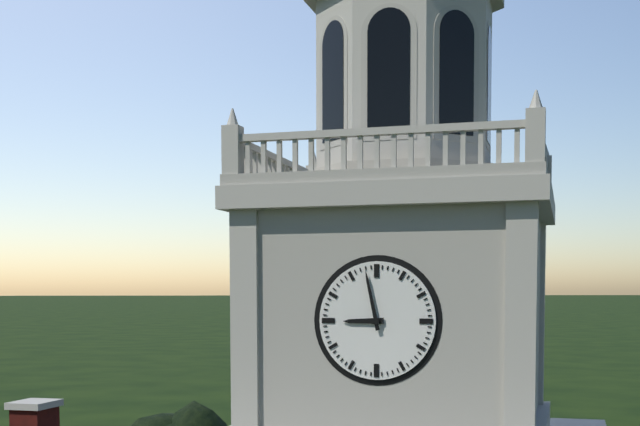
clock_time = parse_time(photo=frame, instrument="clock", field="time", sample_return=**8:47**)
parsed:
**8:58**
